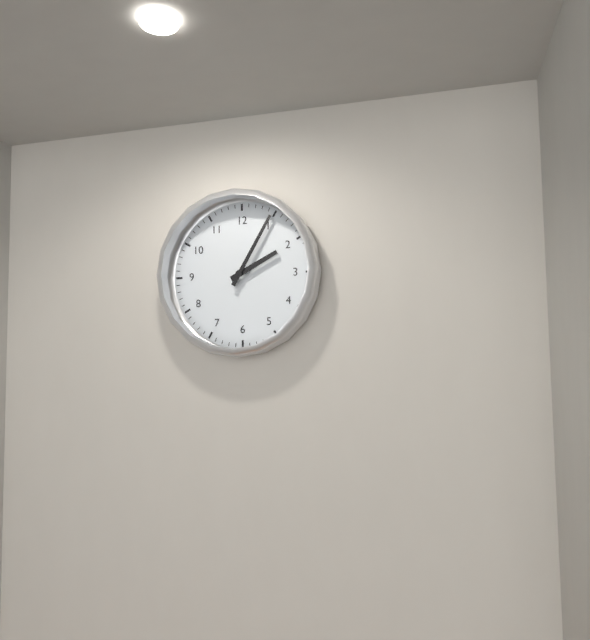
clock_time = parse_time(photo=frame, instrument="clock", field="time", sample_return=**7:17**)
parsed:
**2:05**
